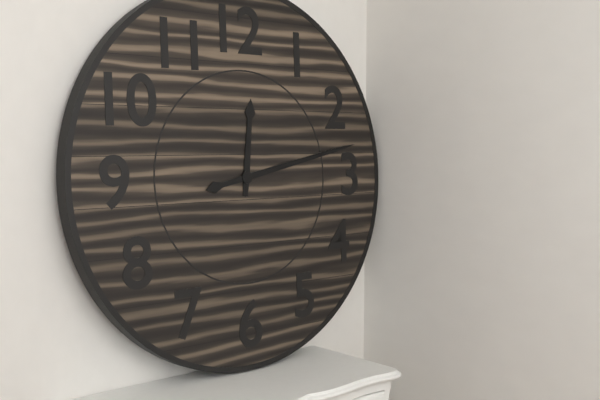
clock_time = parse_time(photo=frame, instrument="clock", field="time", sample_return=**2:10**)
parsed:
**12:13**
